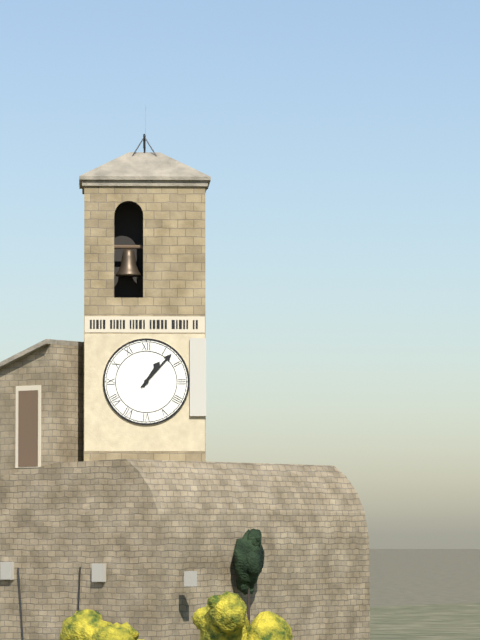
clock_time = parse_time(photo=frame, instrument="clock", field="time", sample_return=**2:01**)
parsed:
**1:07**
